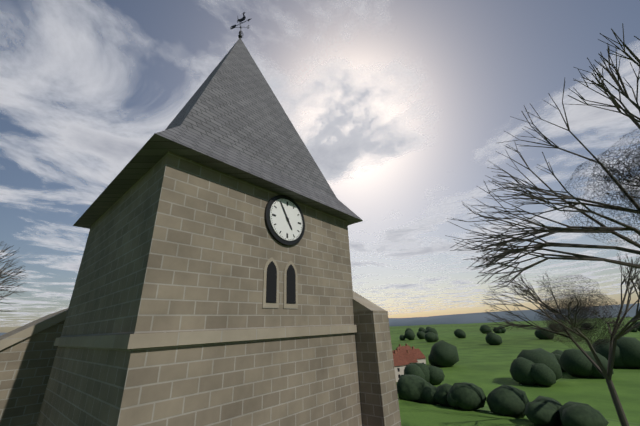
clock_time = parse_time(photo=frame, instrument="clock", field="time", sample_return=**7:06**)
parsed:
**4:55**
